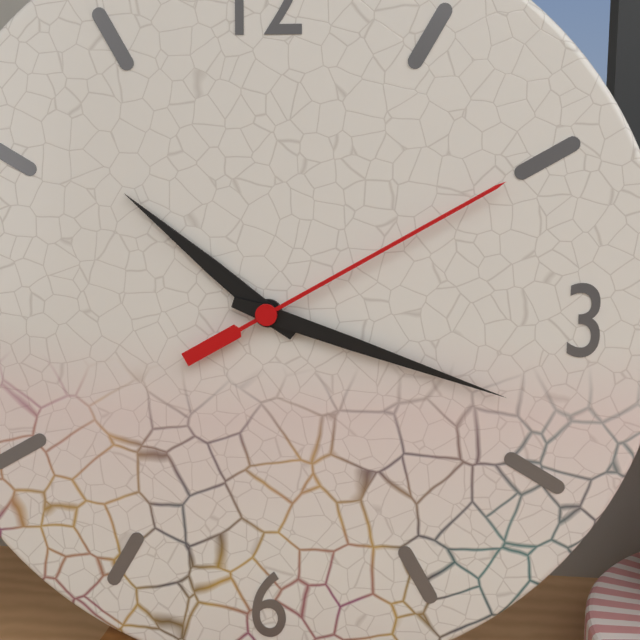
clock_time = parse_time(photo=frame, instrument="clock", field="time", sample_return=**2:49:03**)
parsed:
**10:18:10**
